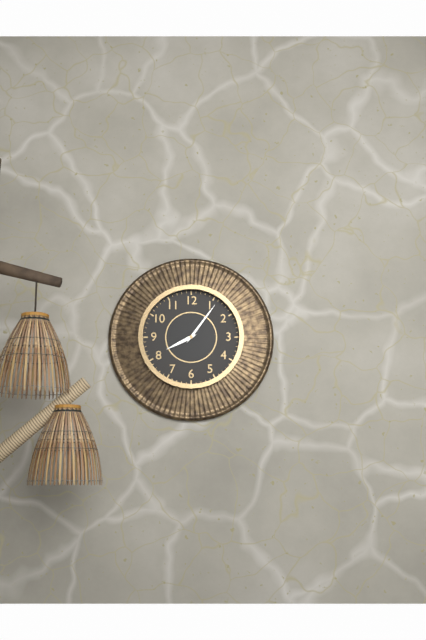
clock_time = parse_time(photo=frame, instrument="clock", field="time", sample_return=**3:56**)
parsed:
**8:06**
